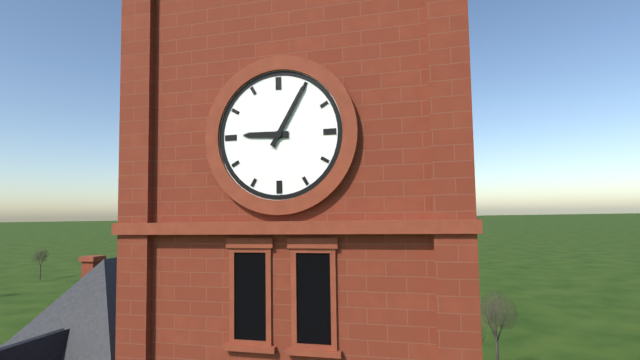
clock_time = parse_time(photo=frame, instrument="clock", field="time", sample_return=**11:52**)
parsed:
**9:05**
